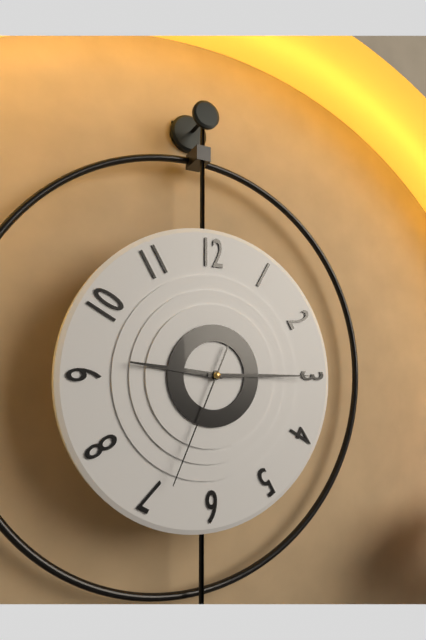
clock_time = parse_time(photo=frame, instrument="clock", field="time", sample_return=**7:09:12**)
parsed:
**9:15:34**
